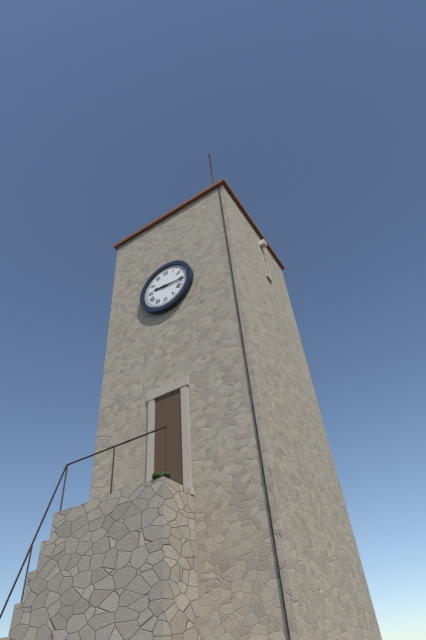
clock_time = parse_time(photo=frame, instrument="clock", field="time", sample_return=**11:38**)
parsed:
**9:16**
